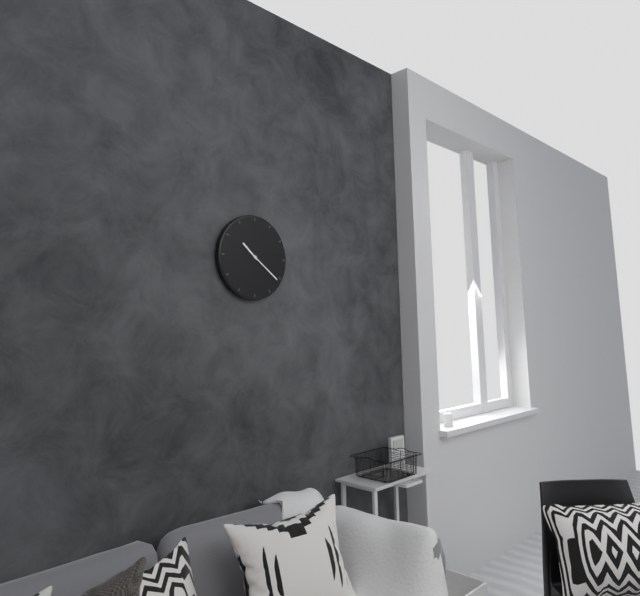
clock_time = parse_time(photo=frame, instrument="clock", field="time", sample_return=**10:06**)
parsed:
**10:21**
